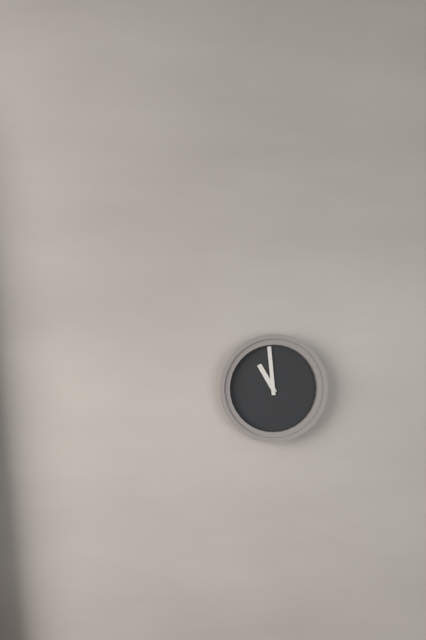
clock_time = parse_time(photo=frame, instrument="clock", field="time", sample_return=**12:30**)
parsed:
**10:59**
